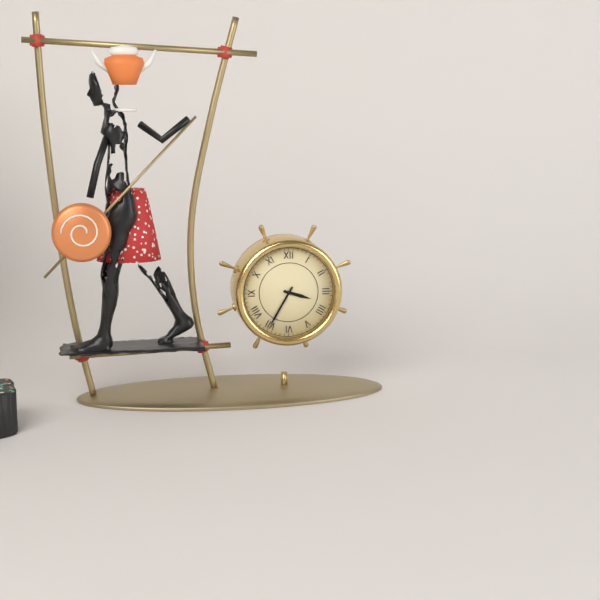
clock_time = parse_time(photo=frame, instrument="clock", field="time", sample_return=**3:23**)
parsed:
**3:35**
